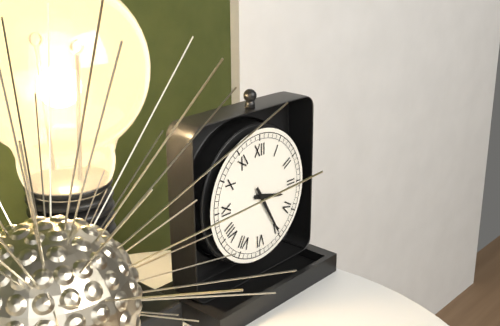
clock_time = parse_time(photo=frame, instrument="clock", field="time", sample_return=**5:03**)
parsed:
**3:25**
